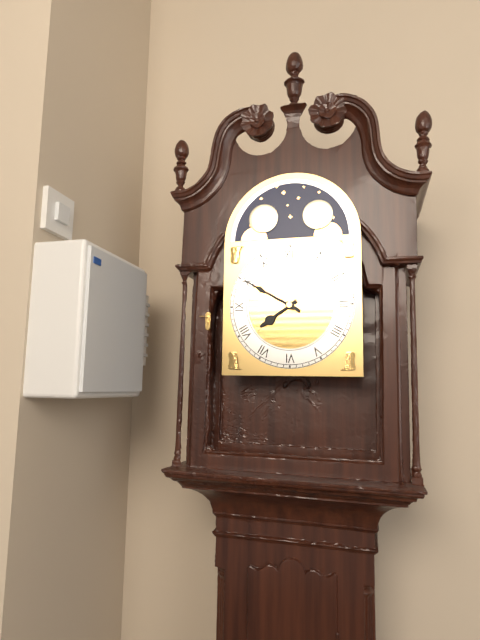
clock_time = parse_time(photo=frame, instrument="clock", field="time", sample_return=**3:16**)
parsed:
**7:50**
